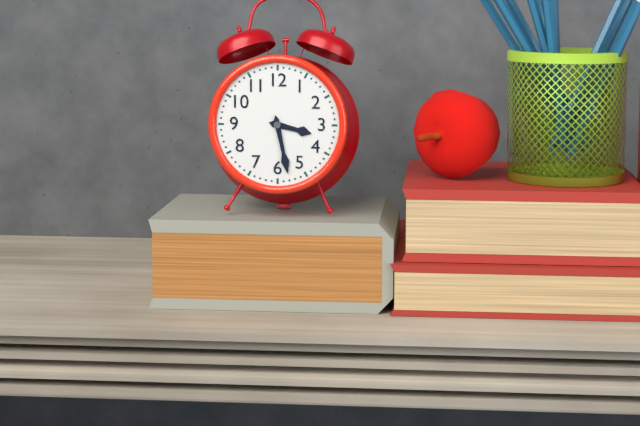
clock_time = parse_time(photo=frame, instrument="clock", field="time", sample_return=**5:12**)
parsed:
**3:28**
